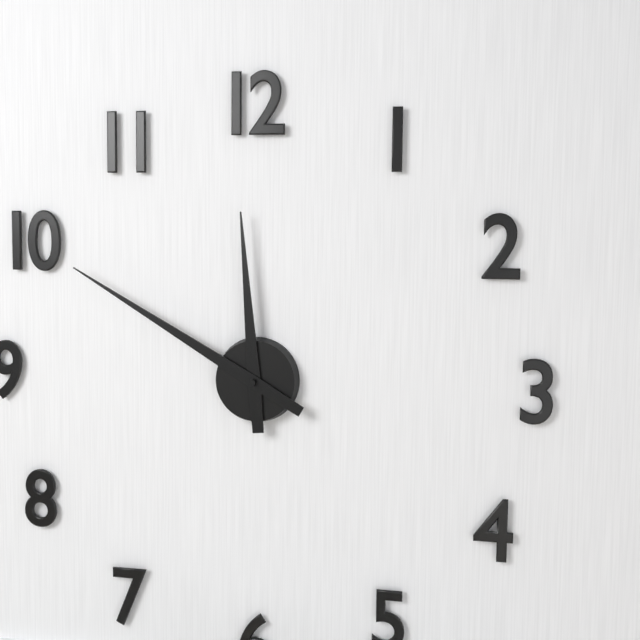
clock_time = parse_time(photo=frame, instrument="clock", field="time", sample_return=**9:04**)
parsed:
**11:50**
